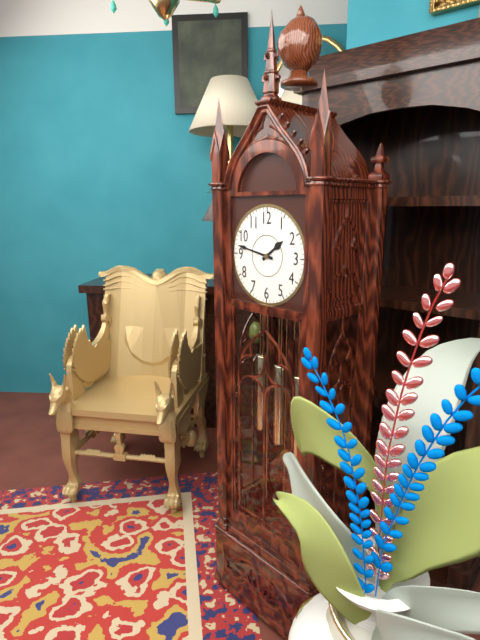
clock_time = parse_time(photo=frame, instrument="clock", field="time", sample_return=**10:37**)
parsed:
**1:47**
